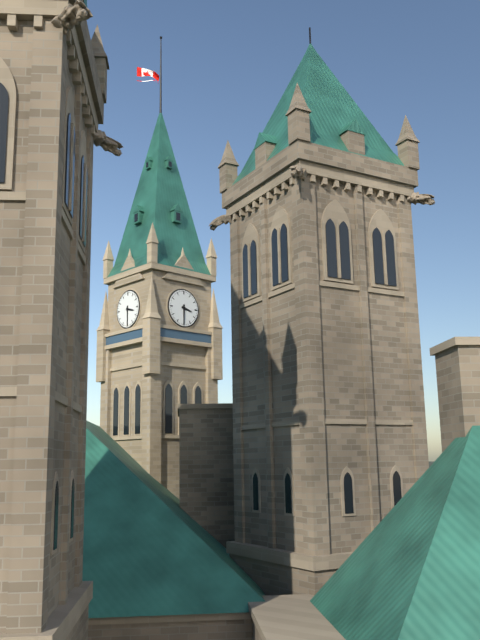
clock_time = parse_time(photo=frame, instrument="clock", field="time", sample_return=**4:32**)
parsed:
**3:30**
